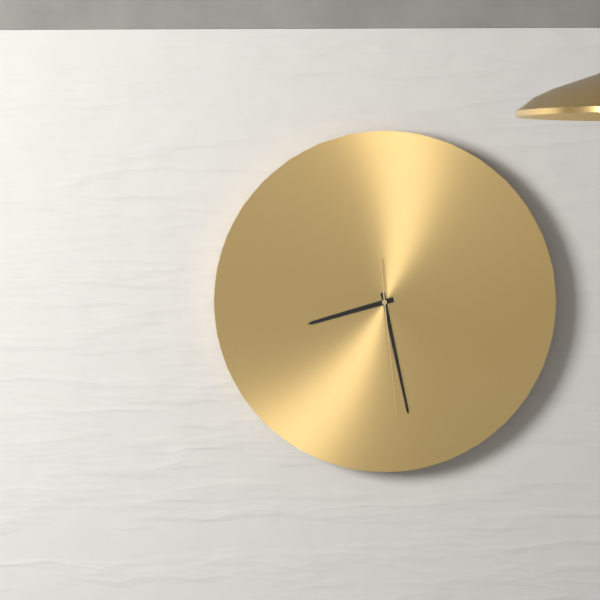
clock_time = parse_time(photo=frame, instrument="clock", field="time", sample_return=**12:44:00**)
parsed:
**8:28:29**
